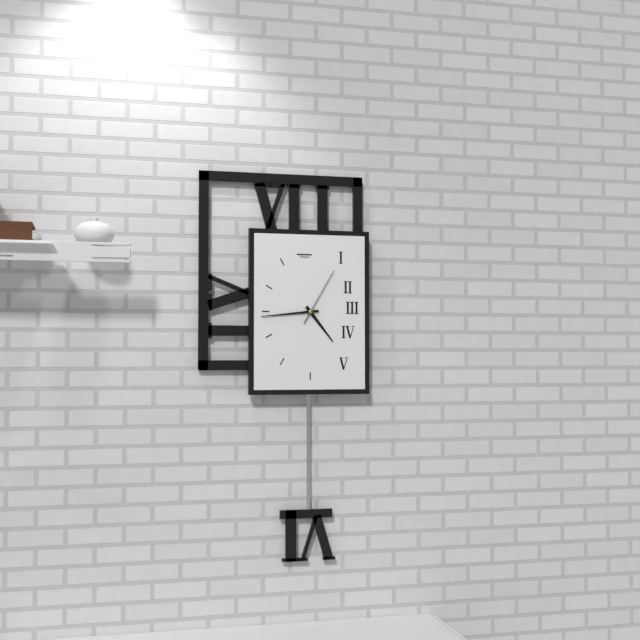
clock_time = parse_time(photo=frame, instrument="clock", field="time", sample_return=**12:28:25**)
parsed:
**4:44:05**
